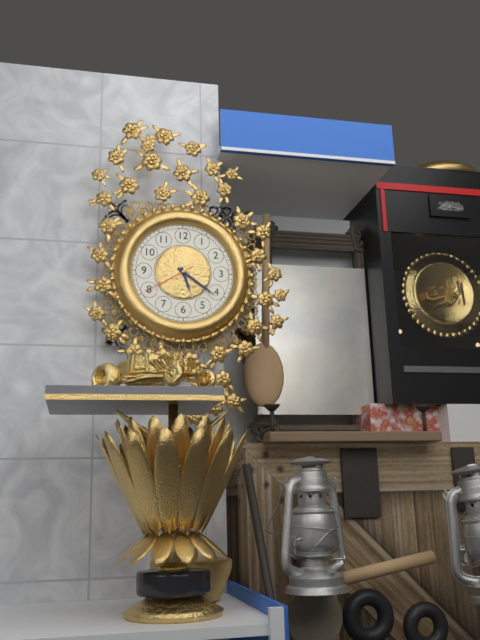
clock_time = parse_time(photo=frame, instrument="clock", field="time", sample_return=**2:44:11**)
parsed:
**5:21:40**
